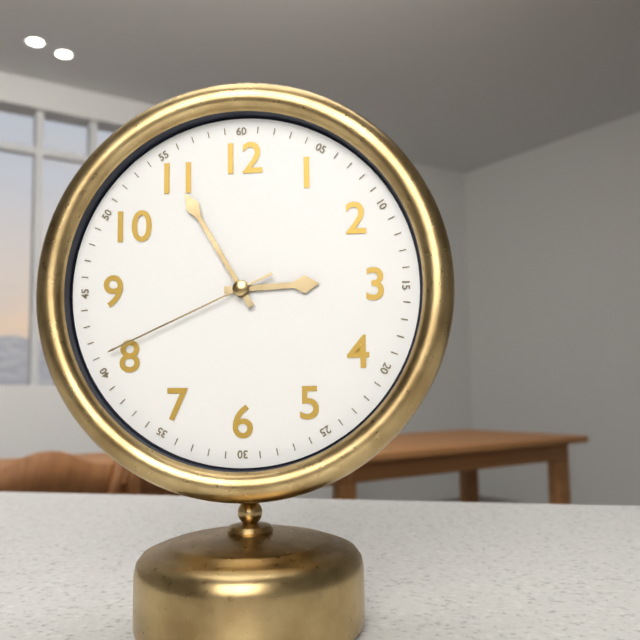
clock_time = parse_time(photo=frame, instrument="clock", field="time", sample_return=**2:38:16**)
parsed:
**2:55:41**
